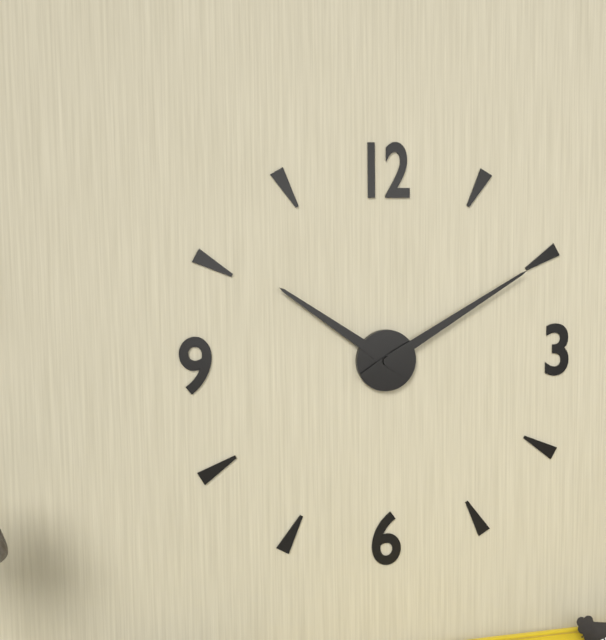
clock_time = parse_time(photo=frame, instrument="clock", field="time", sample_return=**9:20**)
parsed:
**10:10**
